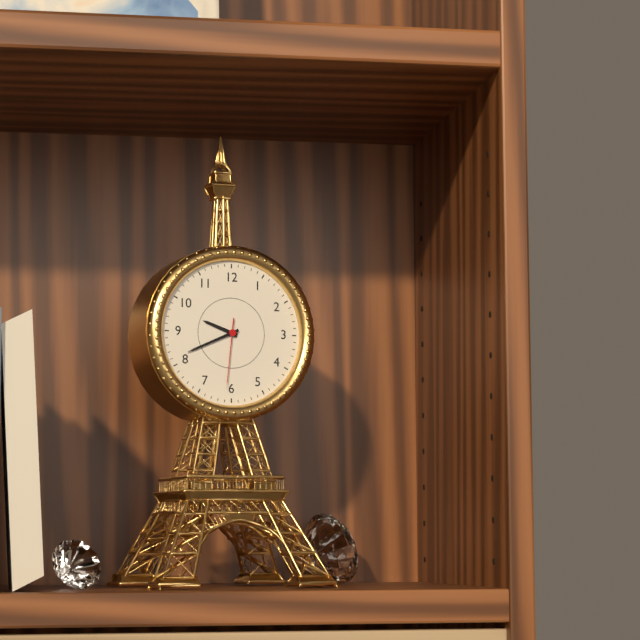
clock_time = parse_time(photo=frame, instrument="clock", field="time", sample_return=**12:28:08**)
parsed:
**9:41:31**
